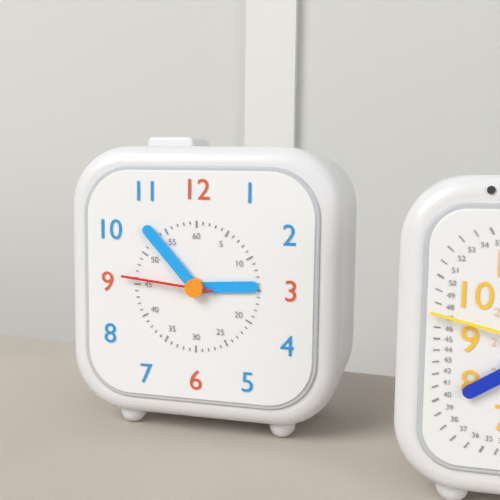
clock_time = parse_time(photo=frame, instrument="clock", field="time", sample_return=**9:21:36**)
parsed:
**2:53:46**
